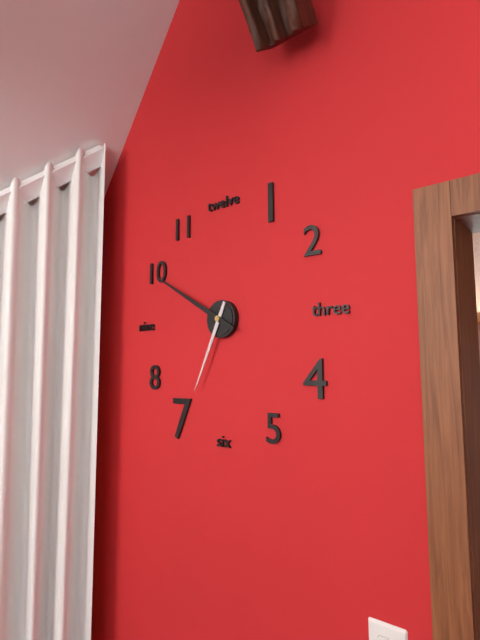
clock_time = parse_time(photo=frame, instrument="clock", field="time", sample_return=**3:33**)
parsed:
**6:50**
